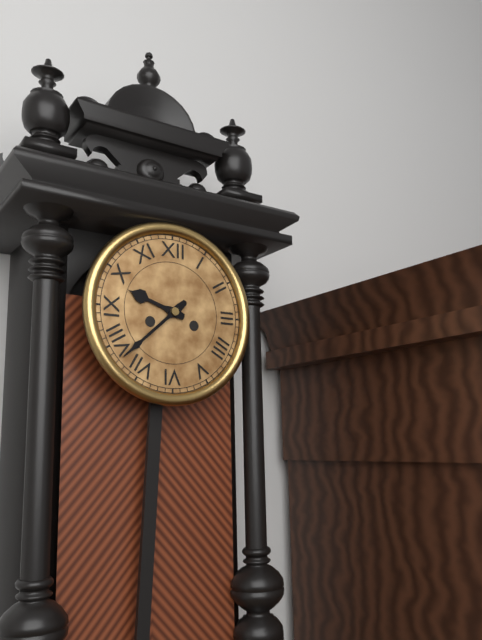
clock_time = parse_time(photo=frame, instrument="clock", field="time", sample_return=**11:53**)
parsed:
**9:38**
